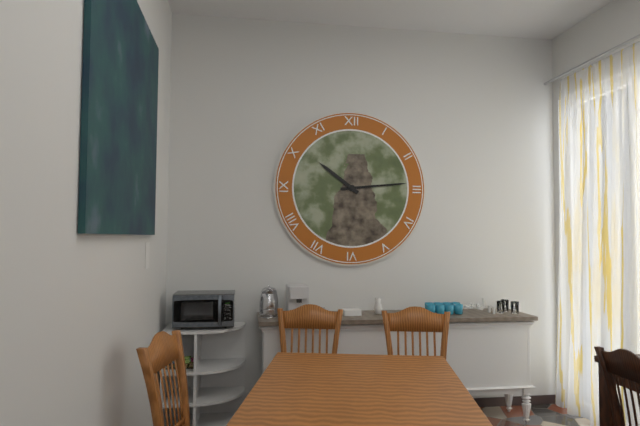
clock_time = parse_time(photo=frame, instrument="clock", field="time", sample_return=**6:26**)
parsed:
**10:14**
